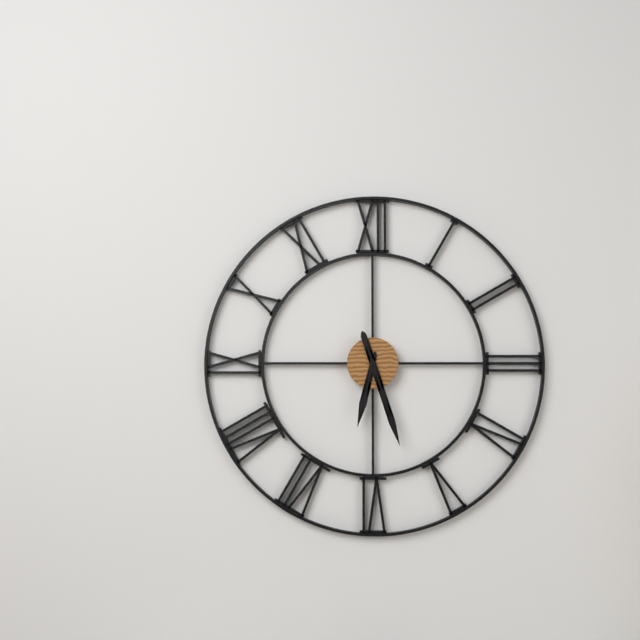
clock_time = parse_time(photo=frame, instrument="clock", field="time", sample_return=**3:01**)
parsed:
**6:27**
